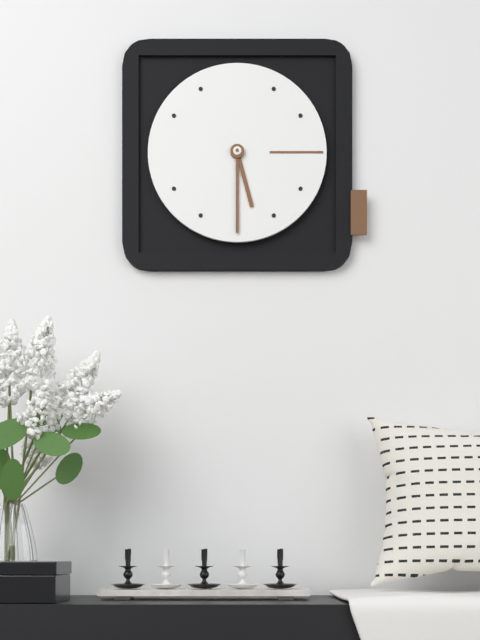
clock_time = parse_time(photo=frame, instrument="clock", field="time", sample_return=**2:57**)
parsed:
**5:30**
